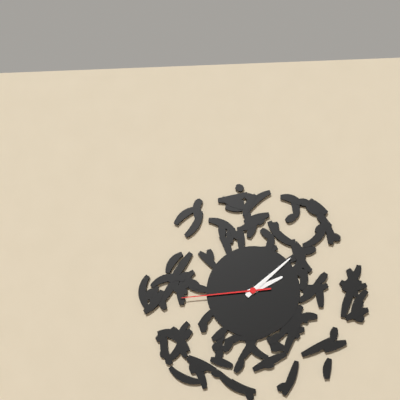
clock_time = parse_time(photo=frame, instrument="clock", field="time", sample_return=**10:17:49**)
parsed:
**2:08:44**
